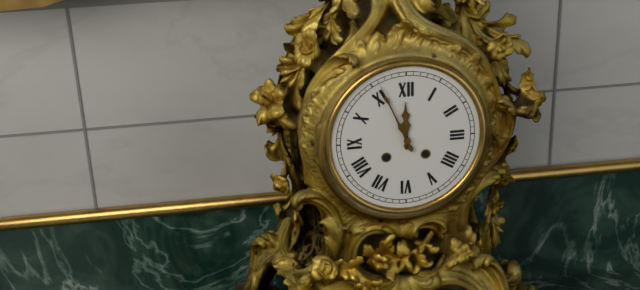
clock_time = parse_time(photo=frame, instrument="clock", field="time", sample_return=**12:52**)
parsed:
**11:56**
